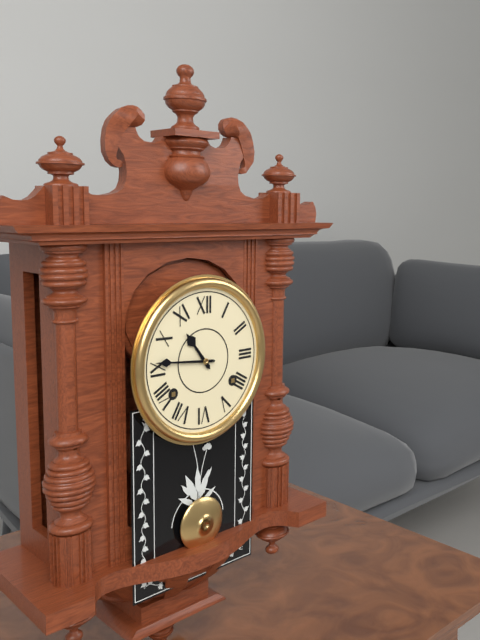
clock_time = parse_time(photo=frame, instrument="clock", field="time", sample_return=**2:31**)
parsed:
**10:46**
